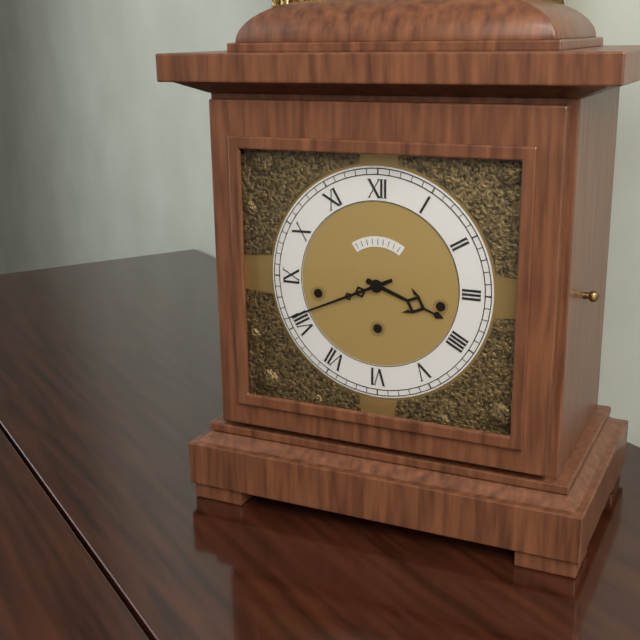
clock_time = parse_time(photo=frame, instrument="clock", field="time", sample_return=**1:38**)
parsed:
**3:41**
